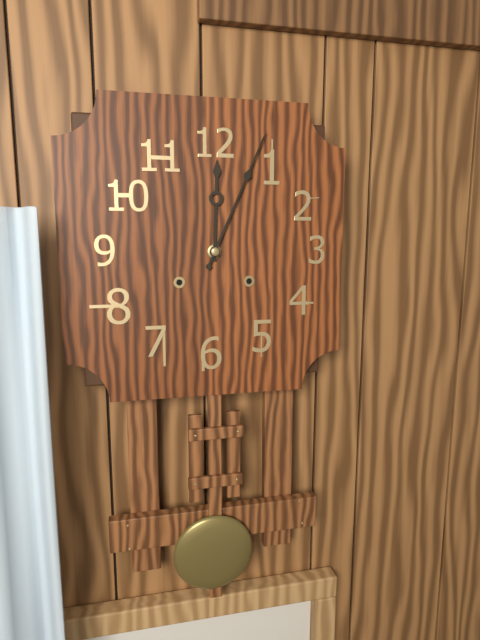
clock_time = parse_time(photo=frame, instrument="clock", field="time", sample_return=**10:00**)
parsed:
**12:04**
